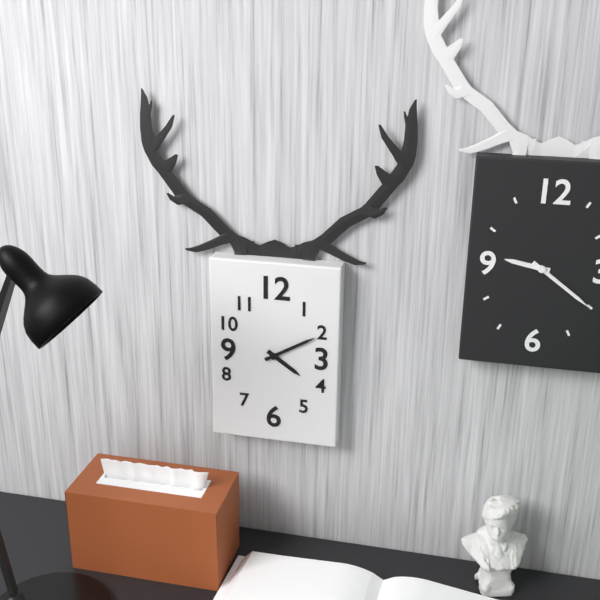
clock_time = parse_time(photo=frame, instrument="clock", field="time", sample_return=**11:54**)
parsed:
**4:10**
